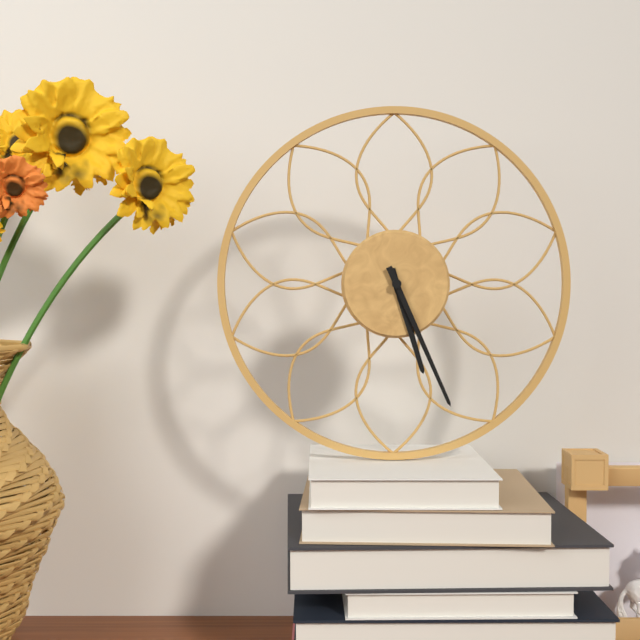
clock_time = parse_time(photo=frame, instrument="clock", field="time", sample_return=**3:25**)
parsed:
**5:26**
